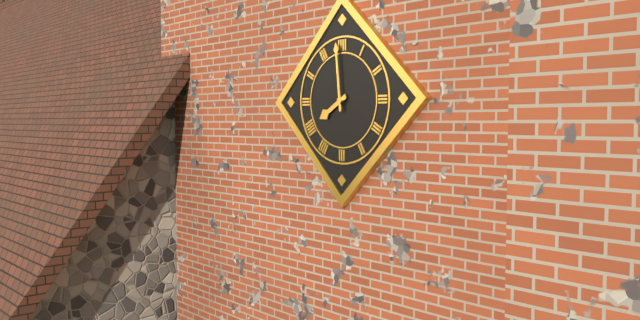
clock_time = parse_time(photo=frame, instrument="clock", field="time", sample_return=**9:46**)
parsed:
**7:59**
